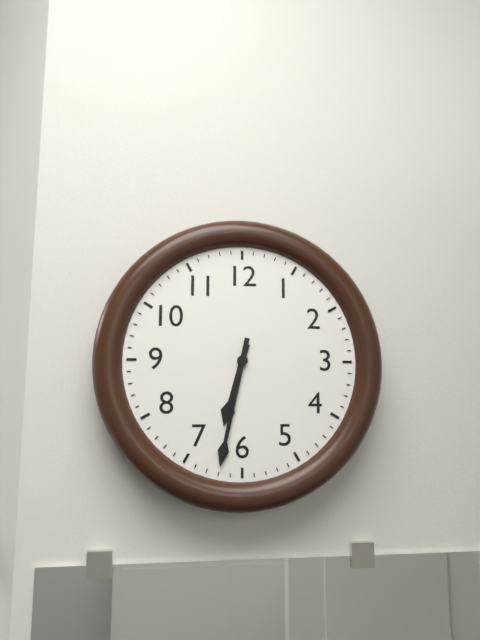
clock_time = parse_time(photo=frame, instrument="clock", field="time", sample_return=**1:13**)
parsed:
**6:32**
